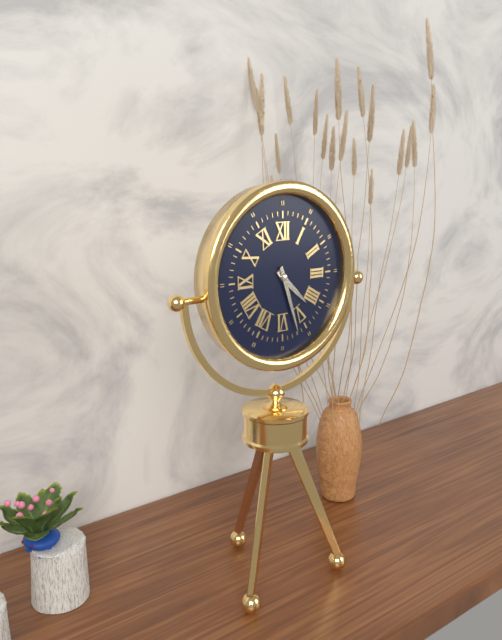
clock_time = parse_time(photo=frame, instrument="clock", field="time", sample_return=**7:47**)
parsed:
**4:27**
